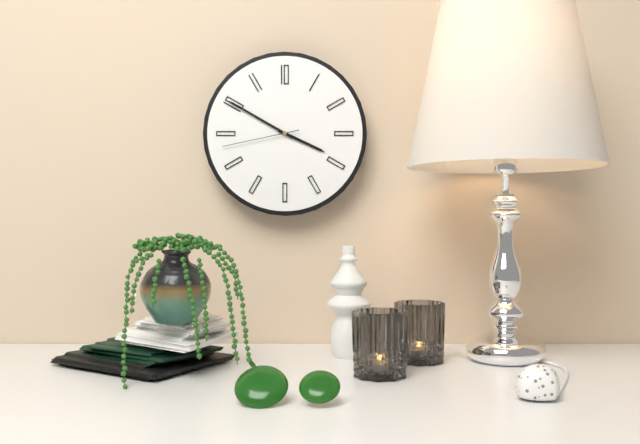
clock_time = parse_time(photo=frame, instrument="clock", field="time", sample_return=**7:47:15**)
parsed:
**3:50:43**
